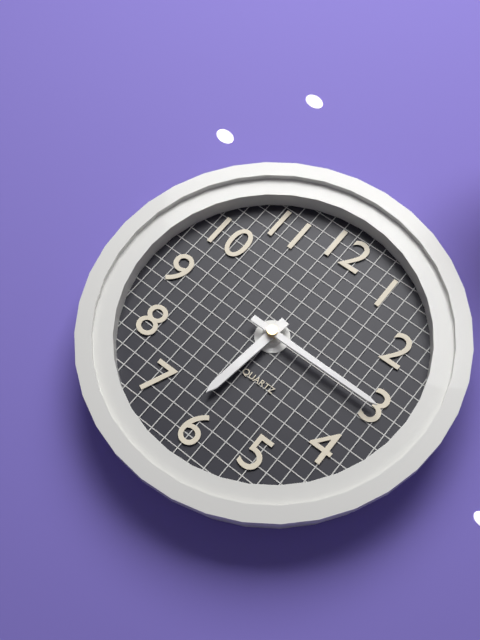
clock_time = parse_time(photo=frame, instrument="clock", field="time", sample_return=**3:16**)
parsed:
**6:15**
